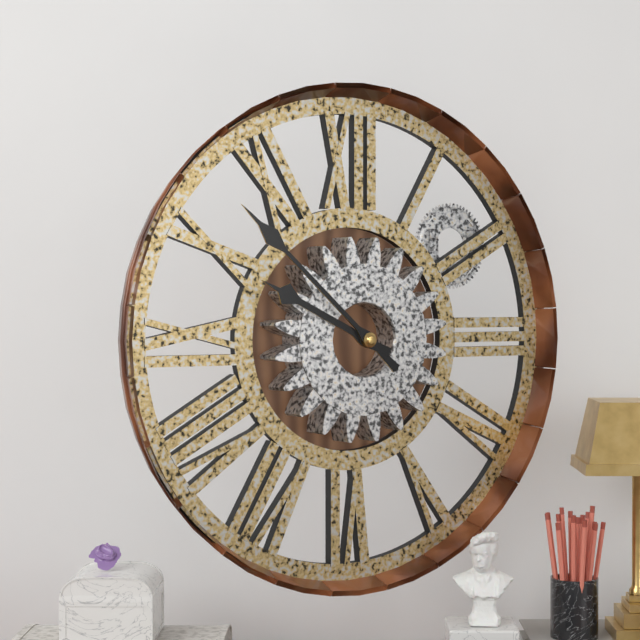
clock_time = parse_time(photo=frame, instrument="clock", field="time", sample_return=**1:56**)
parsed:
**9:52**
